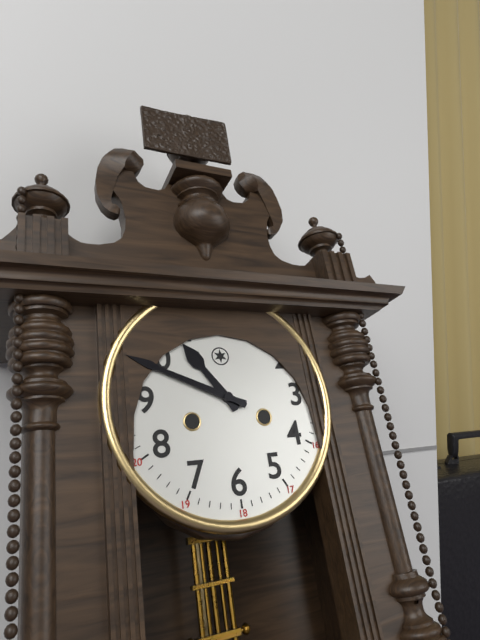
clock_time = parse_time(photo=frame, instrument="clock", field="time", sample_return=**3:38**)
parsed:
**10:49**
